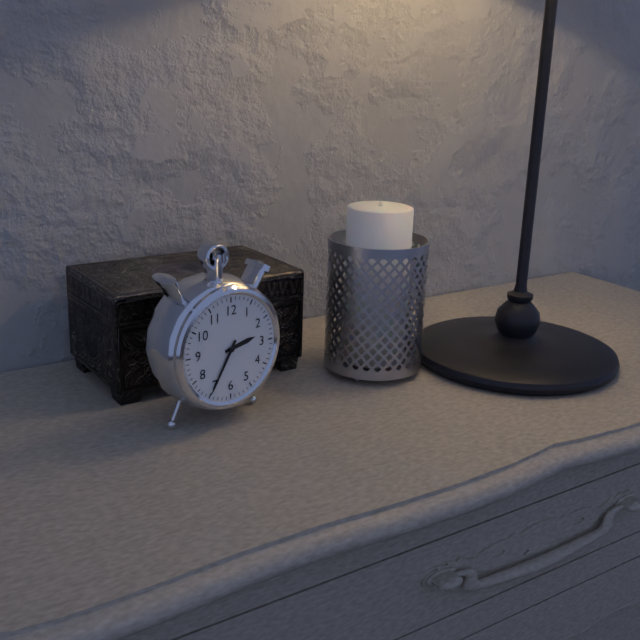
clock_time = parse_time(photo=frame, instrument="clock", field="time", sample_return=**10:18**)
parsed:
**2:35**
